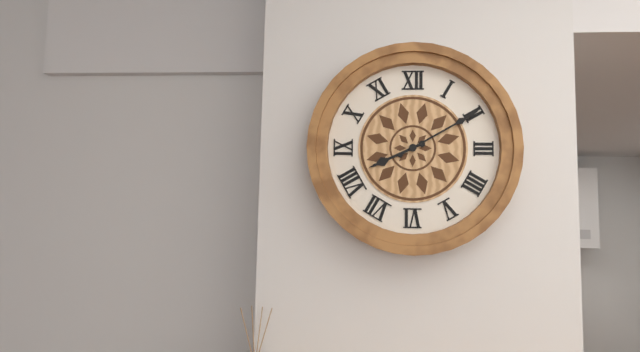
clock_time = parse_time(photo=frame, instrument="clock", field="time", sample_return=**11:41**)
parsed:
**8:10**
